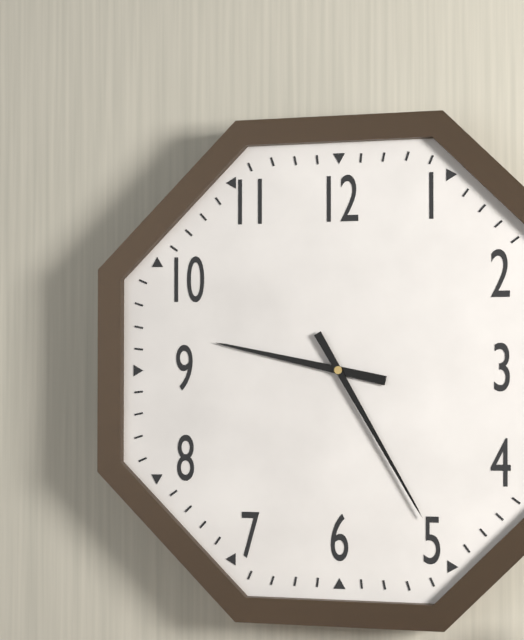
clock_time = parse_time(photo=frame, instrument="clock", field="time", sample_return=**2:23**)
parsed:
**9:25**
